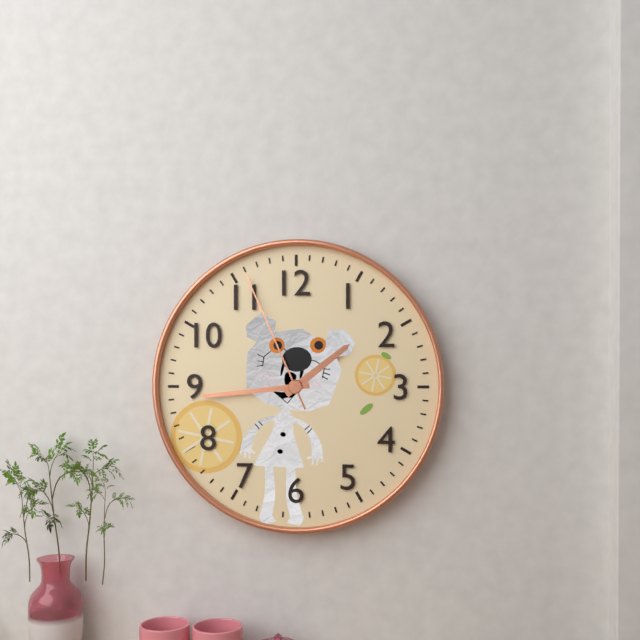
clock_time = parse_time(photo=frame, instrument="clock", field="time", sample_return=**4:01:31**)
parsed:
**1:44:56**
